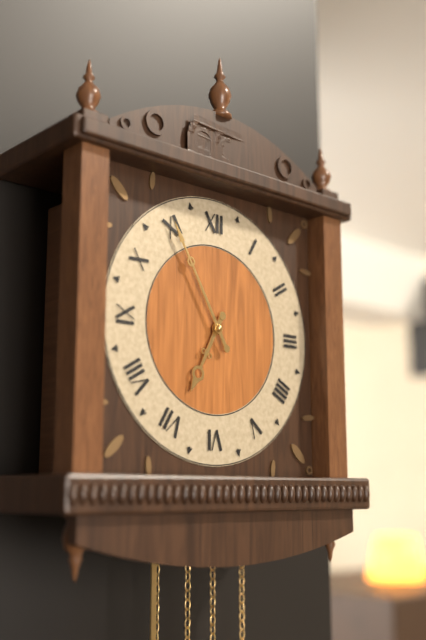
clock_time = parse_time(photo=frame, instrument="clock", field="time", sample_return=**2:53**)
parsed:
**6:55**
